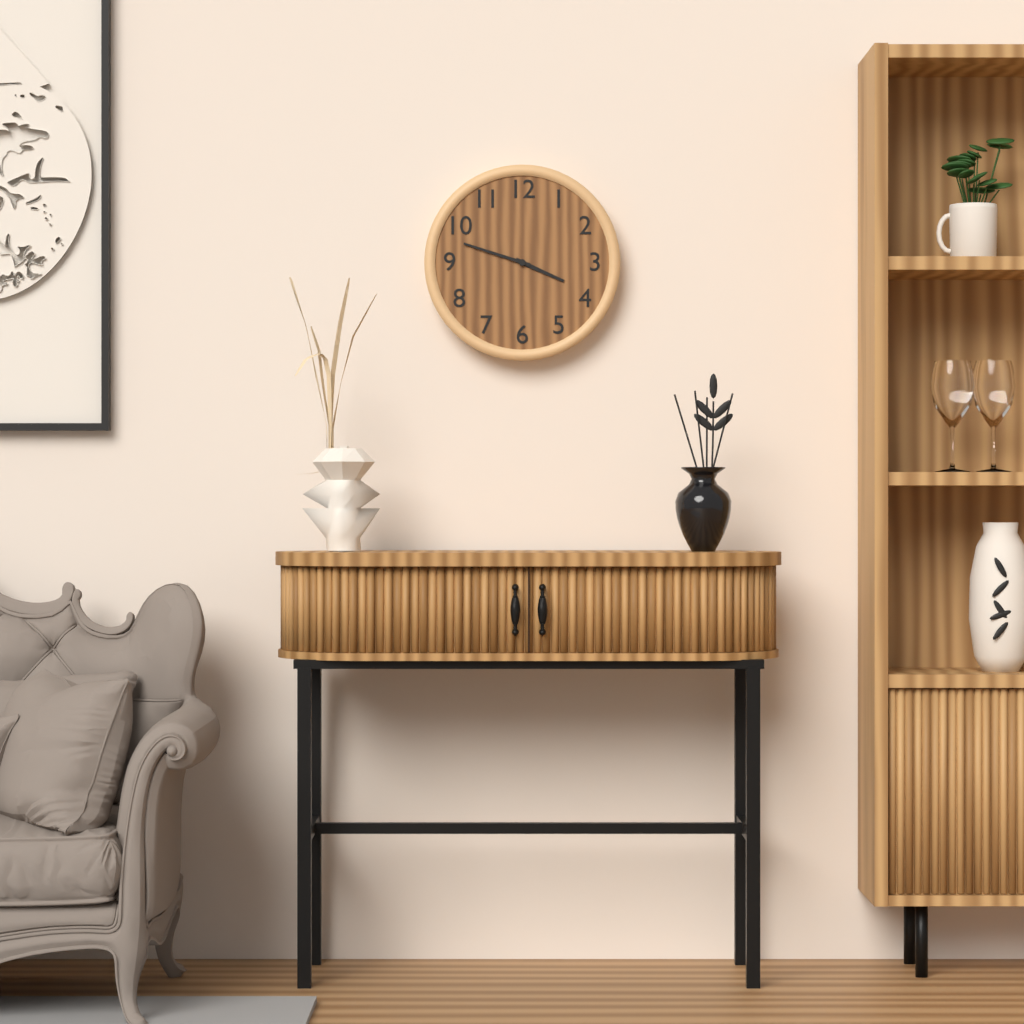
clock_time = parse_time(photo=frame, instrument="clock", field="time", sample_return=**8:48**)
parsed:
**3:48**
